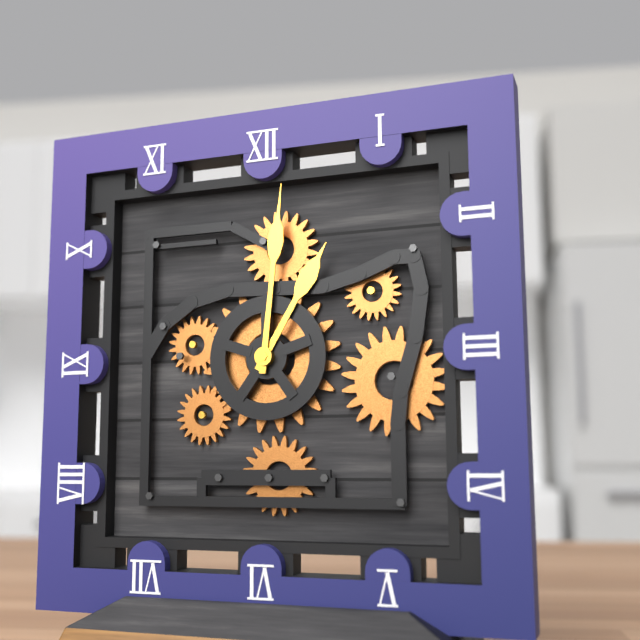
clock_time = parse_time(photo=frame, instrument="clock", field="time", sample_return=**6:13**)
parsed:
**1:01**
